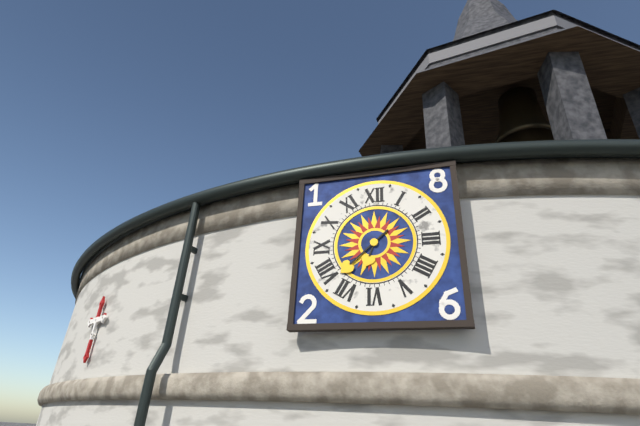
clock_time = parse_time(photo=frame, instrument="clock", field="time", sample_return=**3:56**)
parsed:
**6:38**
